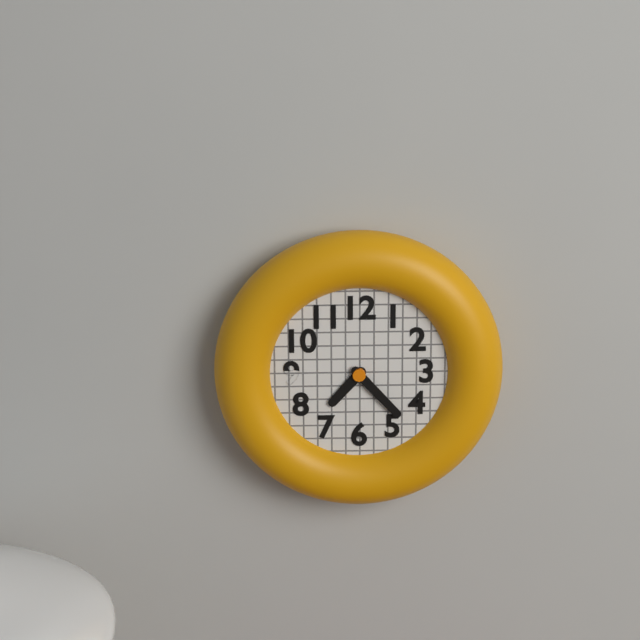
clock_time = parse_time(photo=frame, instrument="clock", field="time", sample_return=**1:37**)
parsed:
**7:23**
